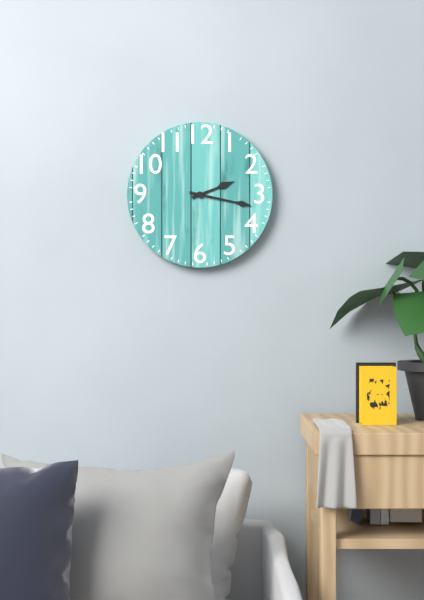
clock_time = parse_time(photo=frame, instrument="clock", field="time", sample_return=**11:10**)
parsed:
**2:17**
